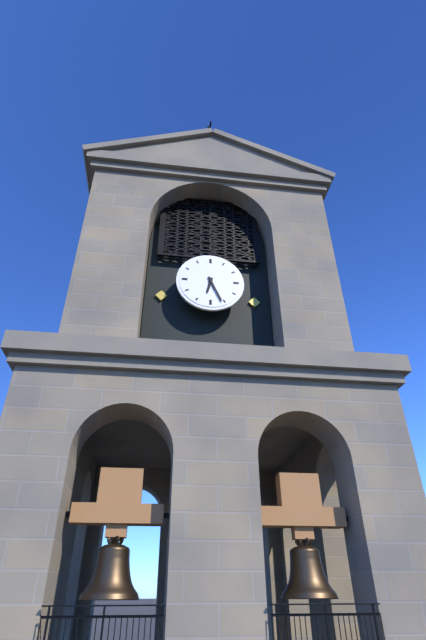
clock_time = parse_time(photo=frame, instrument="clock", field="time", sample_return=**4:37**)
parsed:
**6:26**
